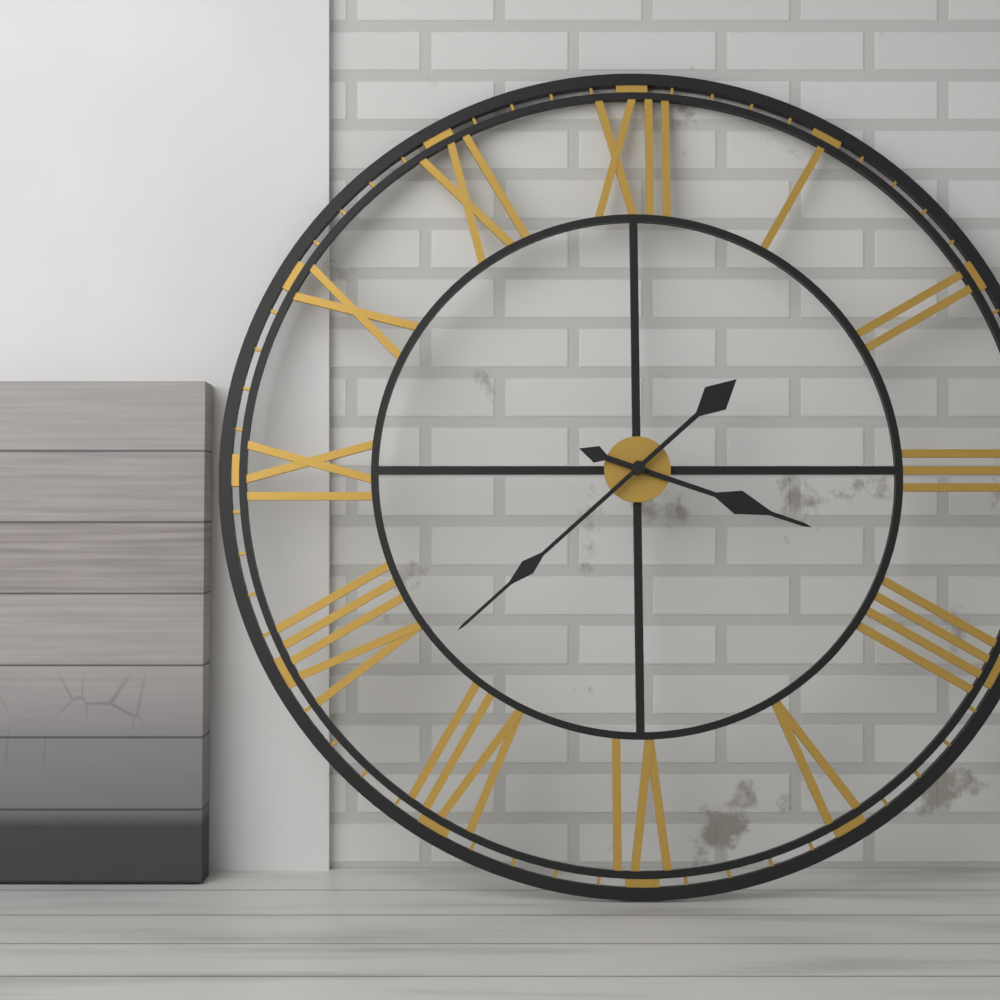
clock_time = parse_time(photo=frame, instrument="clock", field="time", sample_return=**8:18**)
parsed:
**3:38**
